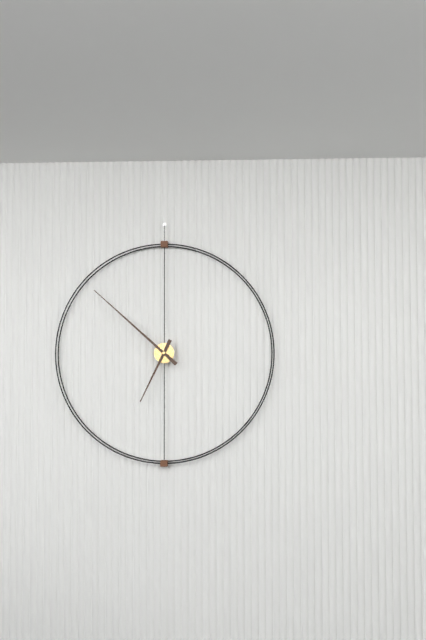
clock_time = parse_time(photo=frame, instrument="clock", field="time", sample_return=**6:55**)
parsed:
**6:52**
